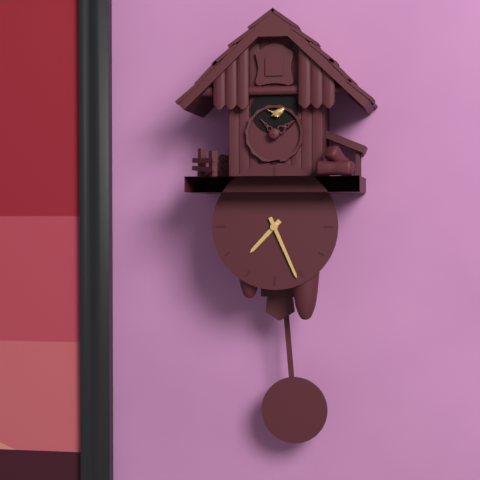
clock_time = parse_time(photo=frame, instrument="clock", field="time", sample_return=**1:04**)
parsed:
**7:26**
